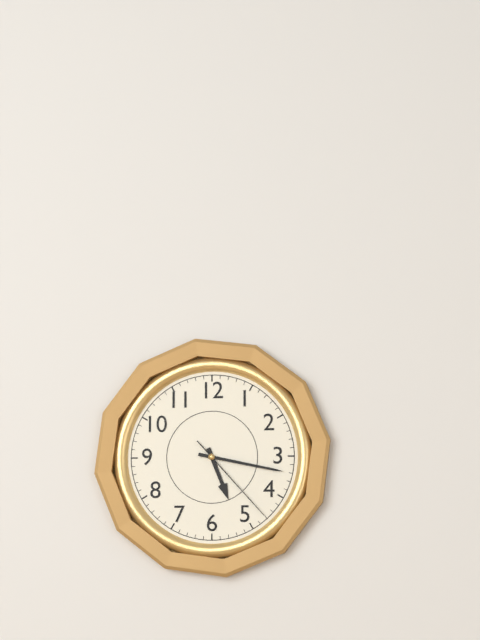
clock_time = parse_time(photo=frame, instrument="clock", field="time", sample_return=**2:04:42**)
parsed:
**5:17:23**
